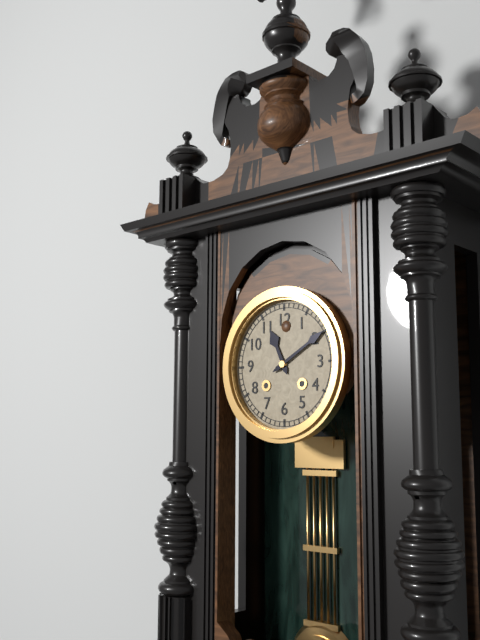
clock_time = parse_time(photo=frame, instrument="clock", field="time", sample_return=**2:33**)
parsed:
**11:10**
